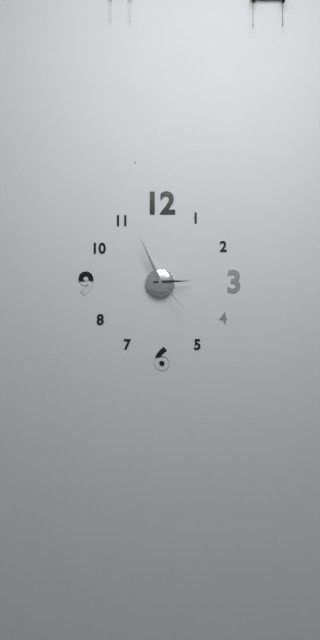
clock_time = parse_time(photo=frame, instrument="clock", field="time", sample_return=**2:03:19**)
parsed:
**2:56:23**
